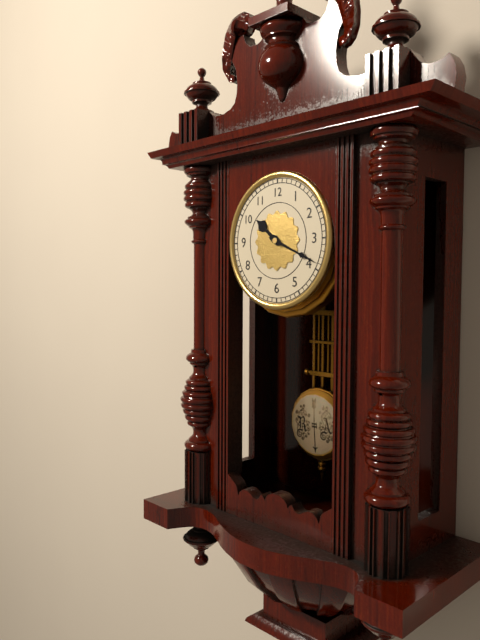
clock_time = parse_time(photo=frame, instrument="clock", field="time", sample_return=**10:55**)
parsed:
**10:19**
